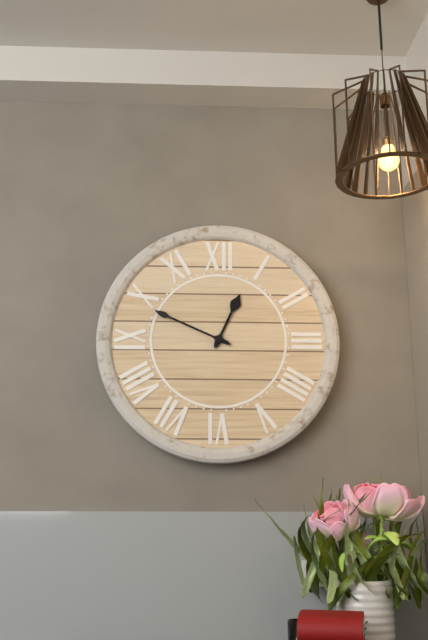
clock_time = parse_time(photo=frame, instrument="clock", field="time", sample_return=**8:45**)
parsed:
**12:49**
